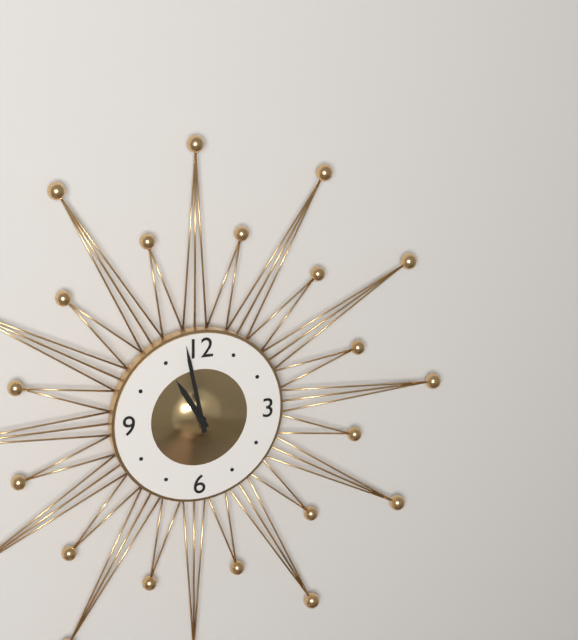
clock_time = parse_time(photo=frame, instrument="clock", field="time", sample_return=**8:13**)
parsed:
**10:58**
